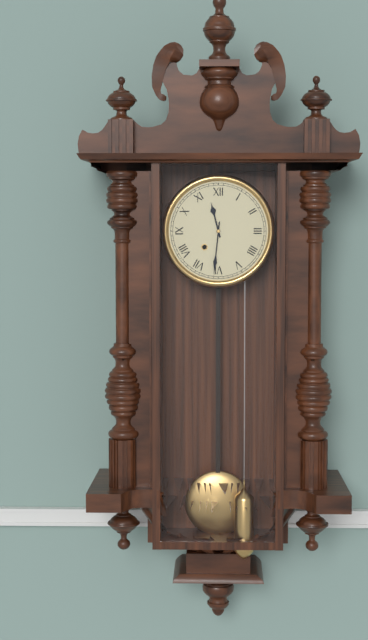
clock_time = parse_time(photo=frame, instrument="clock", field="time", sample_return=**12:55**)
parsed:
**11:31**
